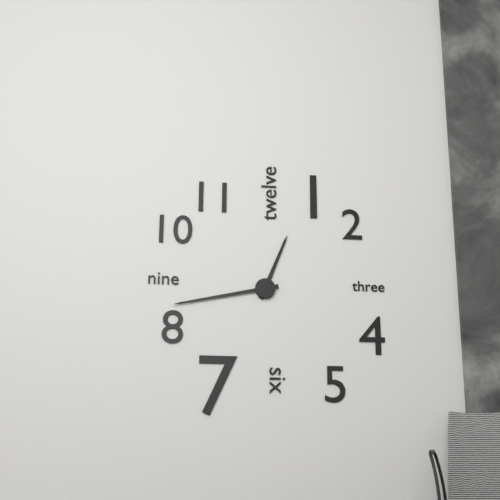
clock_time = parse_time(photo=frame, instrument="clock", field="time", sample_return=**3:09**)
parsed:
**12:43**
